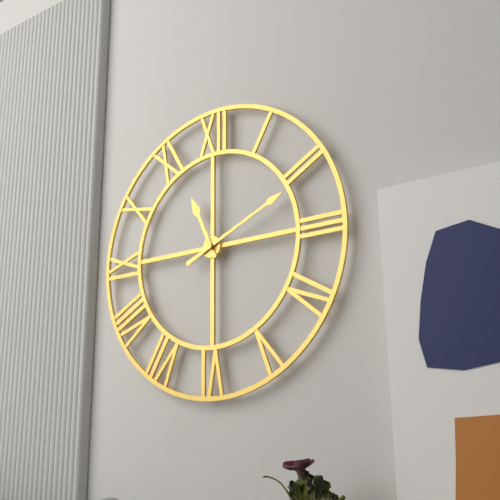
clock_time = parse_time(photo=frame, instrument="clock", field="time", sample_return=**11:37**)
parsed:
**11:11**
